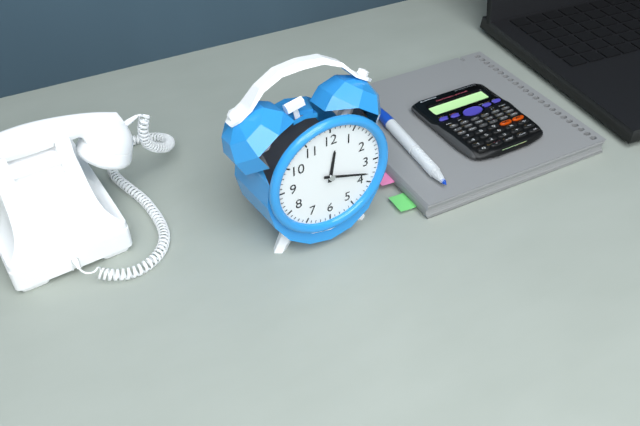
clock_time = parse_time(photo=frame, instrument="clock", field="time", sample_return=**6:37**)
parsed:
**12:18**
